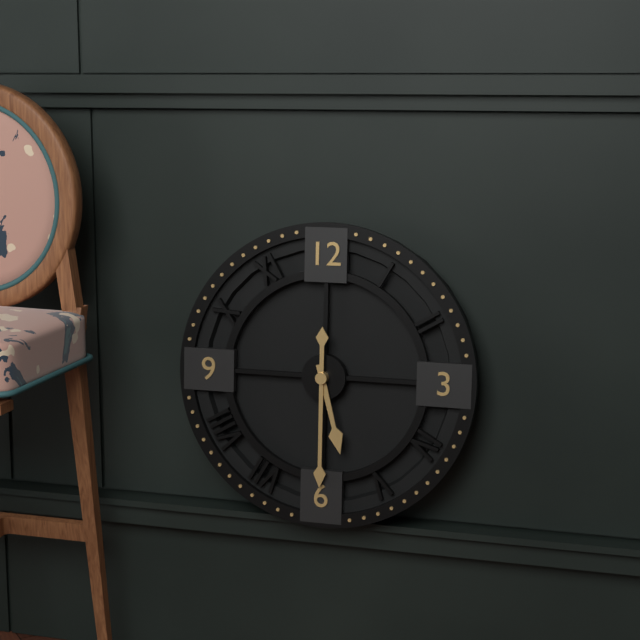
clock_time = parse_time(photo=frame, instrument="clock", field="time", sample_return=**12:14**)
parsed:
**5:30**
